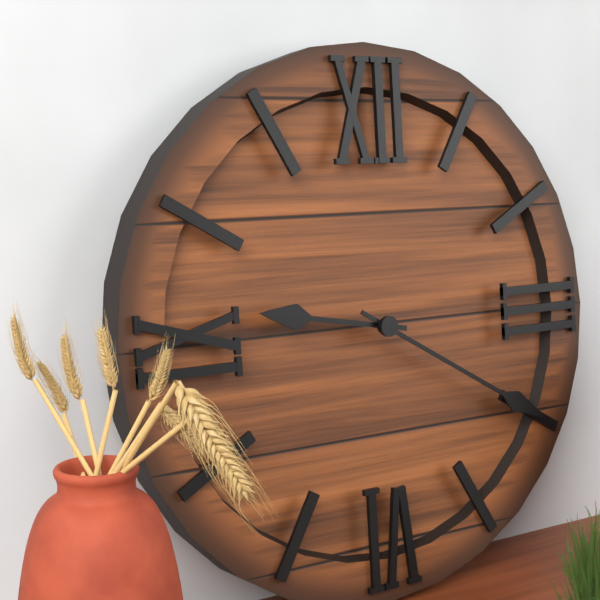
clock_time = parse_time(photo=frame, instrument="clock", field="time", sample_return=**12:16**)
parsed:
**9:20**
